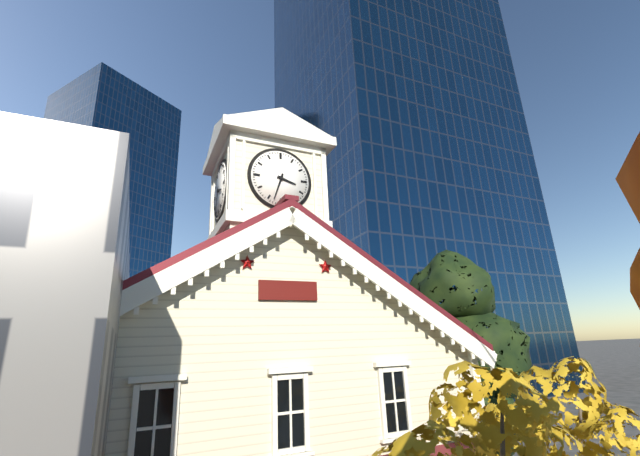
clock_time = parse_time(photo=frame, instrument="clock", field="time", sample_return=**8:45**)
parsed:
**3:33**
